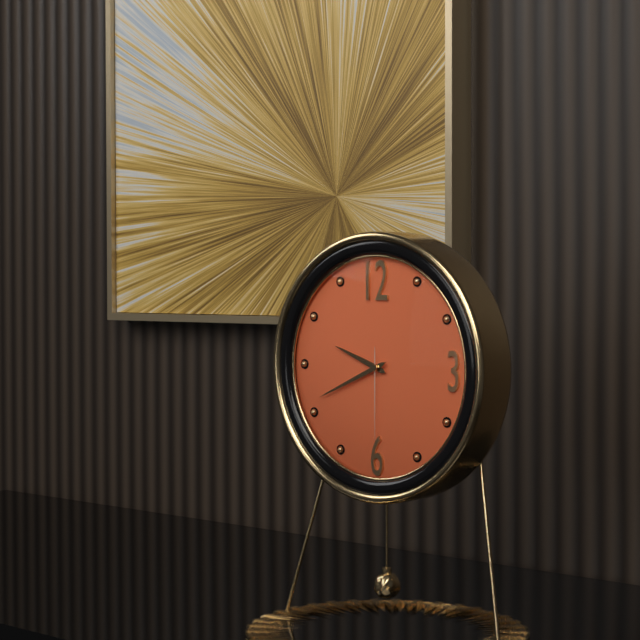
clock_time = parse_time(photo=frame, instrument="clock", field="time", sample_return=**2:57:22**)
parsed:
**9:41:30**
